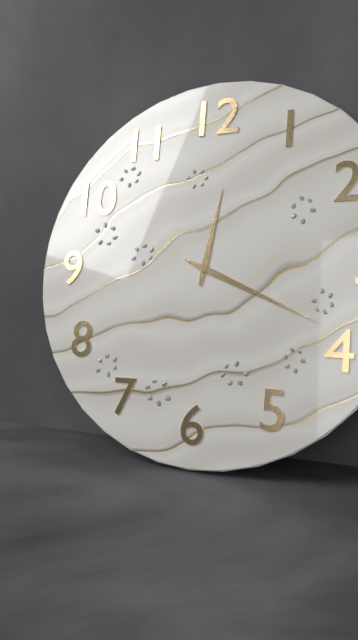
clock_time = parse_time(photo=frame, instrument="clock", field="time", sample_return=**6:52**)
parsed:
**12:19**
